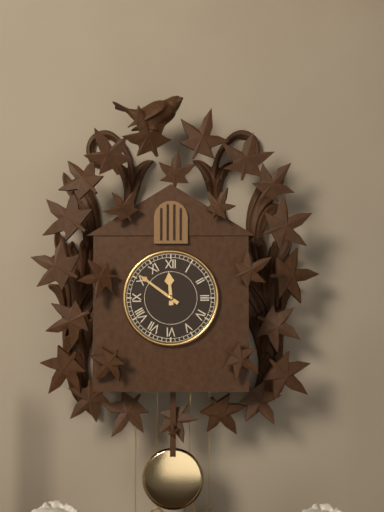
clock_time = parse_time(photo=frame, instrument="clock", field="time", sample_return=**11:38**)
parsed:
**11:51**
